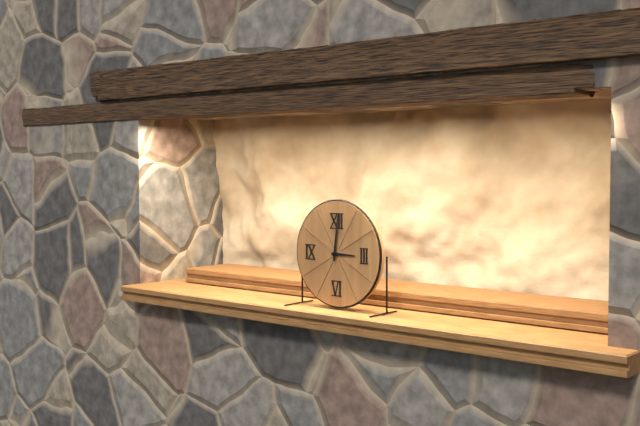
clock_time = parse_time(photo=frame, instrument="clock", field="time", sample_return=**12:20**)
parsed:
**3:01**
